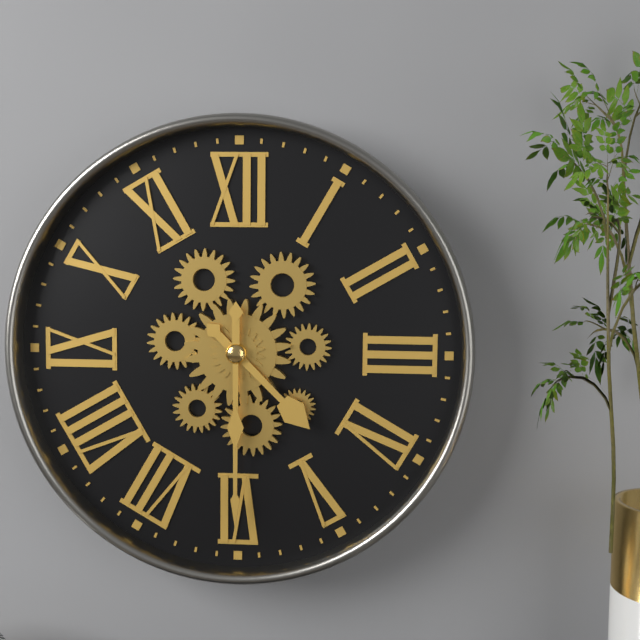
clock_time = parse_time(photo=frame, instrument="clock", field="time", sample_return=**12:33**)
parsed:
**4:30**
